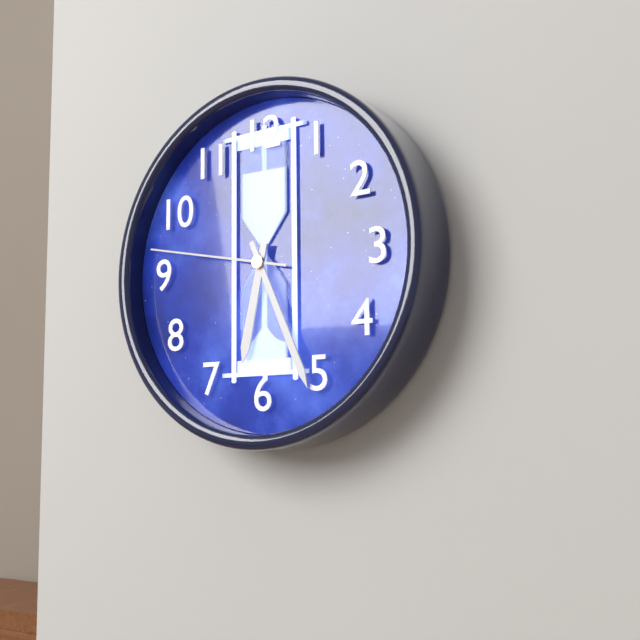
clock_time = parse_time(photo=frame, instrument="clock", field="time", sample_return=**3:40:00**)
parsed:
**6:26:47**
